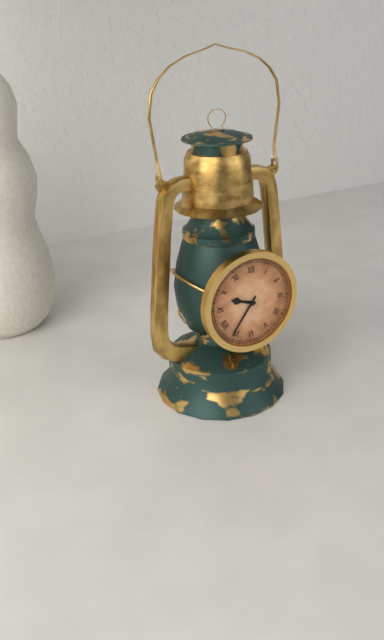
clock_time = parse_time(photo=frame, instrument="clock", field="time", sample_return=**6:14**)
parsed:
**9:36**
